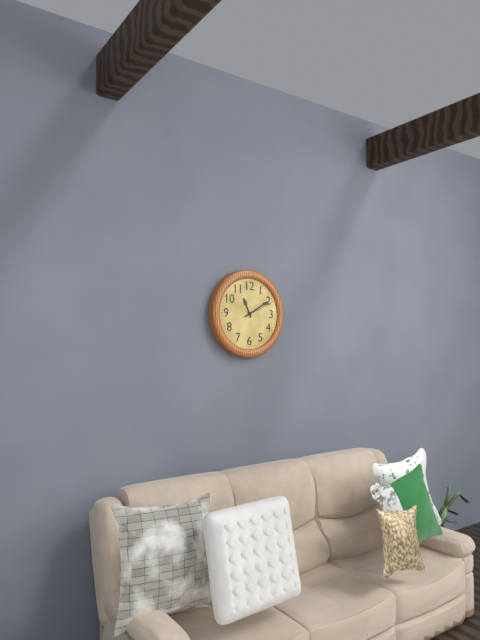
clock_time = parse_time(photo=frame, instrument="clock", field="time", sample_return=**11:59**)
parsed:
**11:10**
